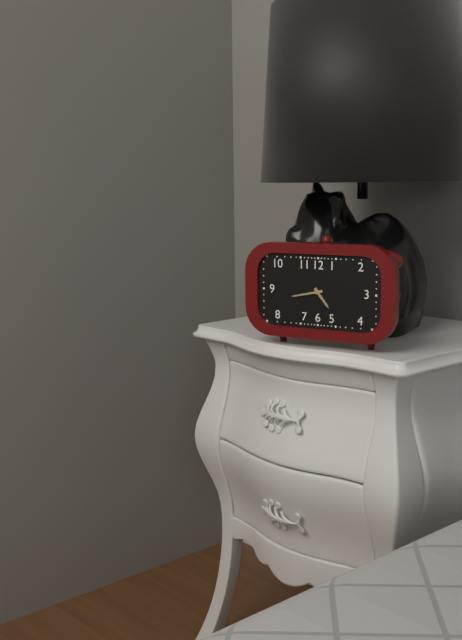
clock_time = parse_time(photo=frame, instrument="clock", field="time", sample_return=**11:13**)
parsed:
**4:43**
